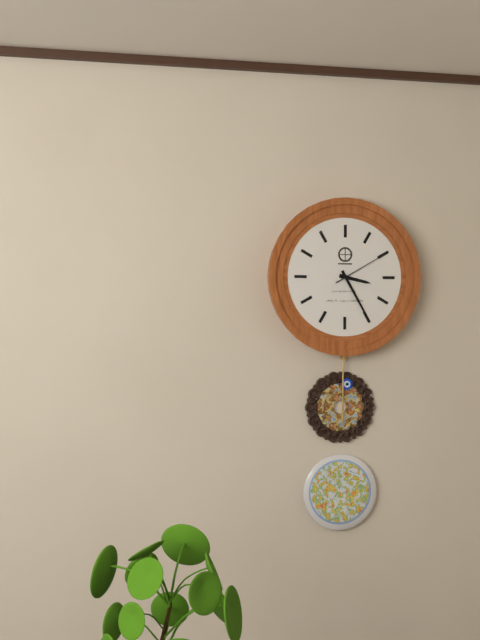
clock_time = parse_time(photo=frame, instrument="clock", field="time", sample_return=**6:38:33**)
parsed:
**3:25:10**
